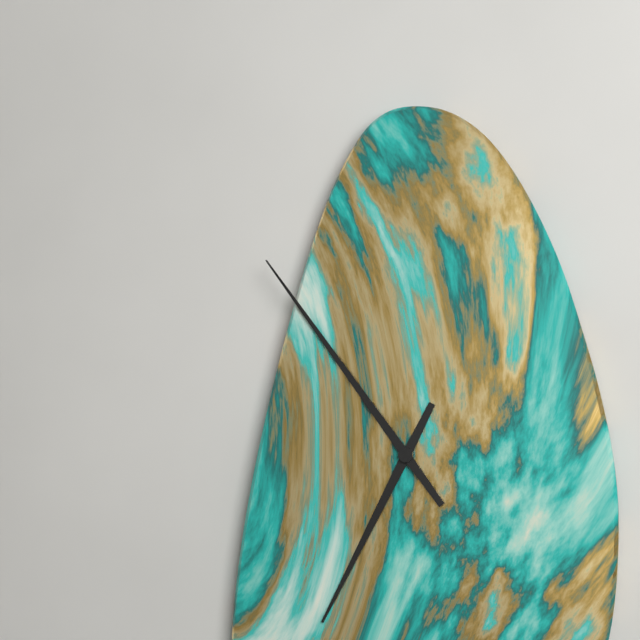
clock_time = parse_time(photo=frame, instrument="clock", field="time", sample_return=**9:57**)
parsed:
**6:54**
